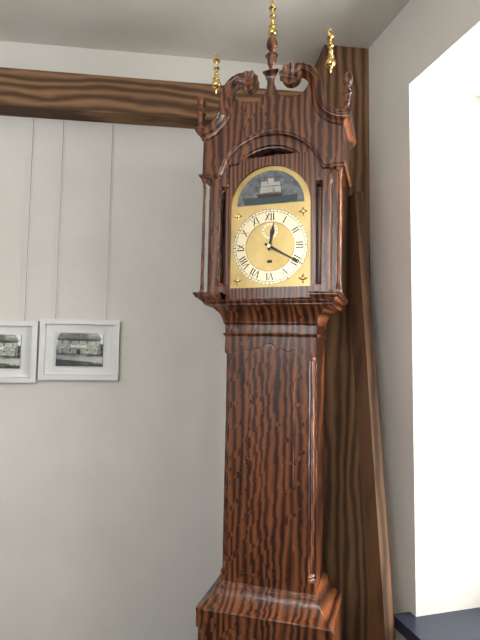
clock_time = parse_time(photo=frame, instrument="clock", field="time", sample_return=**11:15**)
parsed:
**12:20**
